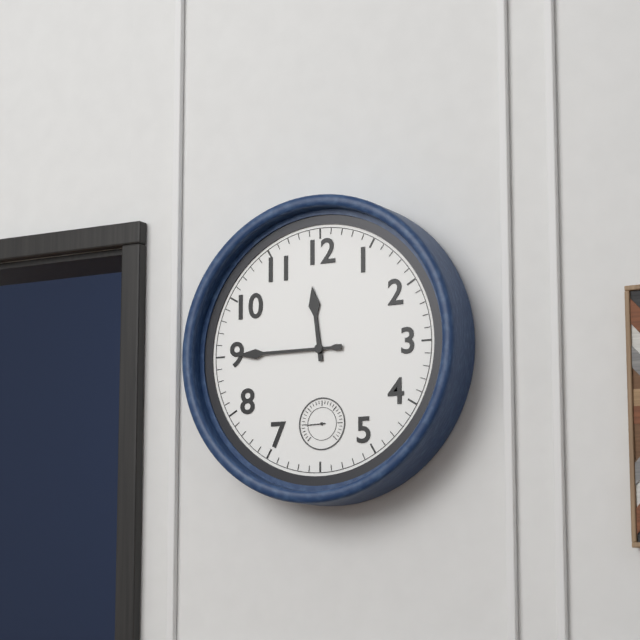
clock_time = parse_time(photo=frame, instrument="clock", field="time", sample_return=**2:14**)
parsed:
**11:45**
